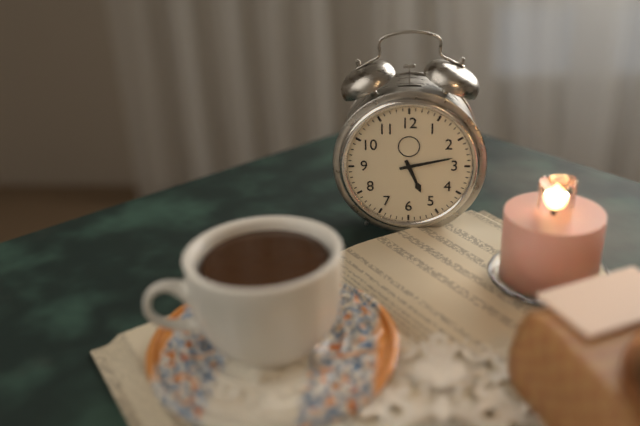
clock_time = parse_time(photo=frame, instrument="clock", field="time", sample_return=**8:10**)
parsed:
**5:13**
